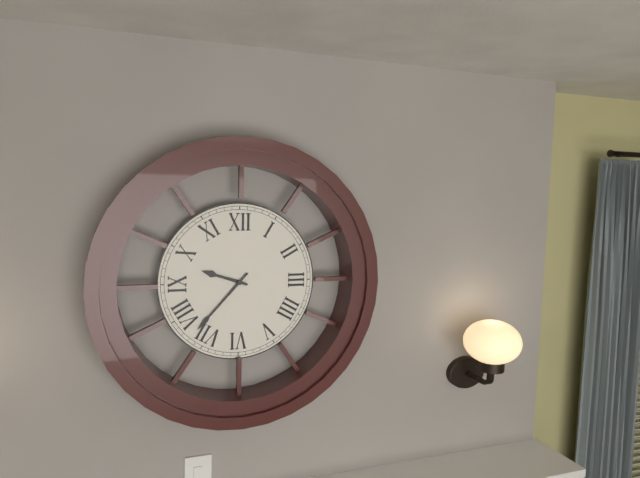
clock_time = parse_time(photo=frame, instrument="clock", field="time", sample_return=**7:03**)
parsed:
**9:37**
